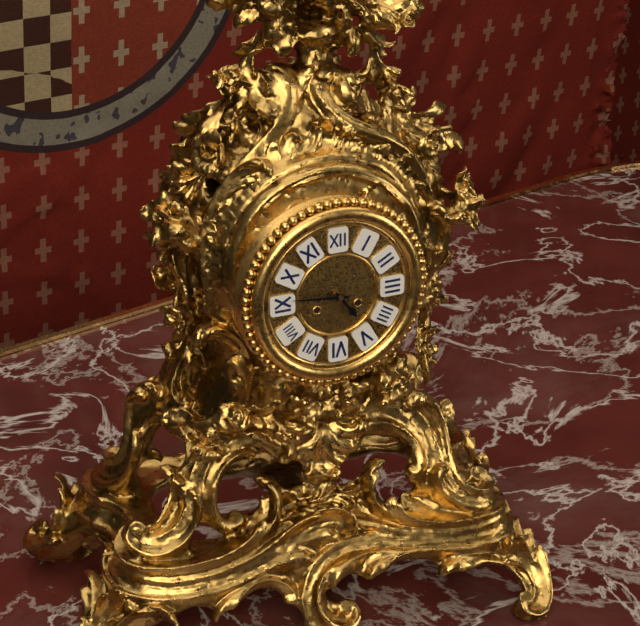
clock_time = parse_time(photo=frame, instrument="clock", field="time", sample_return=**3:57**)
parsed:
**4:46**
